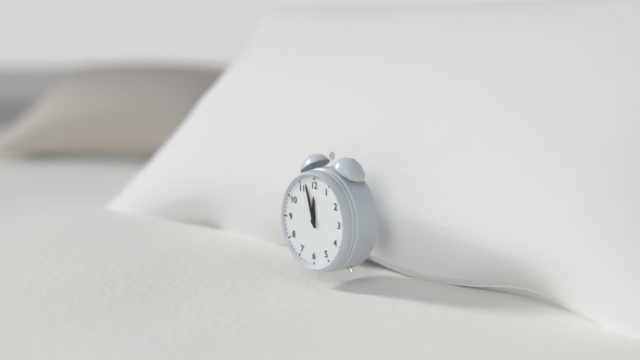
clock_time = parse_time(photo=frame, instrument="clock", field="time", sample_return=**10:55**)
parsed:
**11:57**
